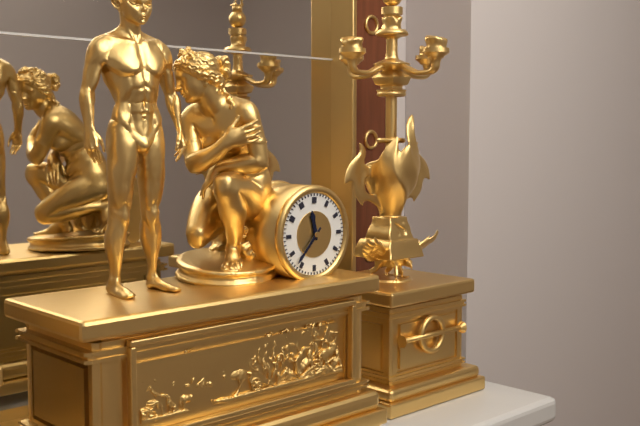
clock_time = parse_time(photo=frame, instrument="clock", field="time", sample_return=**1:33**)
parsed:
**11:37**
